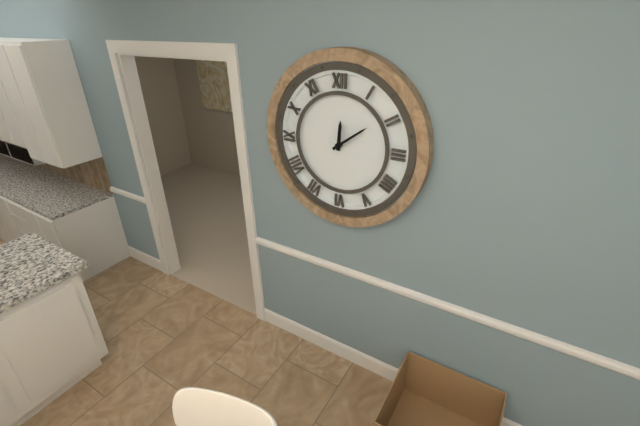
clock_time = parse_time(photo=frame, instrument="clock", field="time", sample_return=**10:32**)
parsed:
**12:09**
